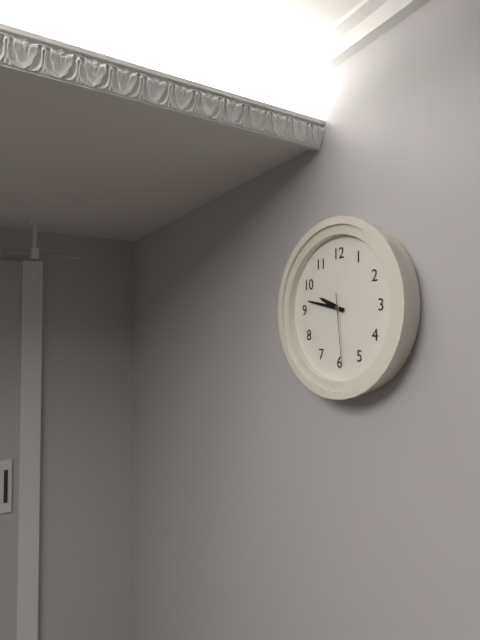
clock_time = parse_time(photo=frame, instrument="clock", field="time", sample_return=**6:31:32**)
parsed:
**9:47:29**
